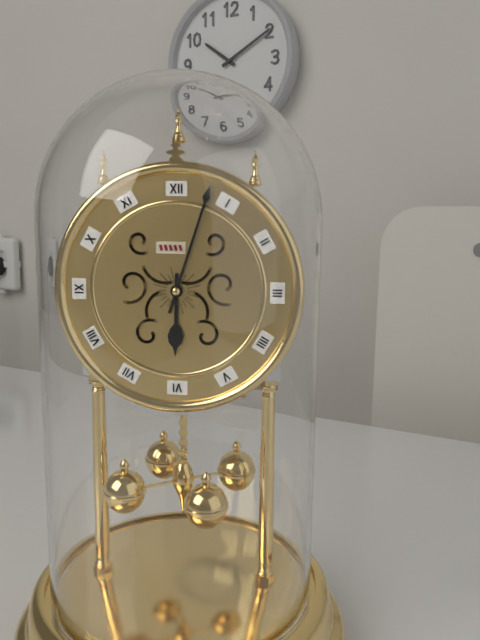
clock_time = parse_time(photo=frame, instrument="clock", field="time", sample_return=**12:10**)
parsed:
**6:03**
